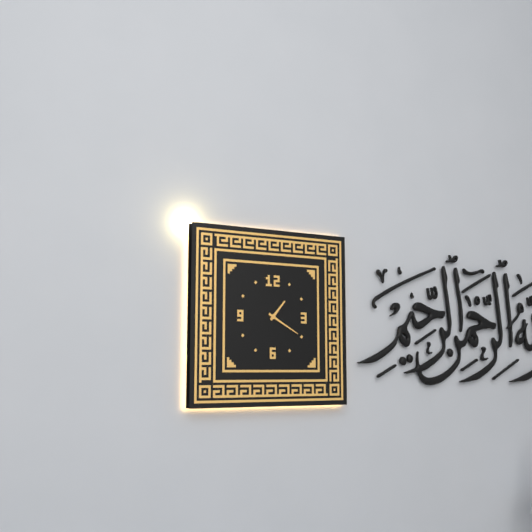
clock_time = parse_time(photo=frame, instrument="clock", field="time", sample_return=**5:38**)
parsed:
**1:20**
